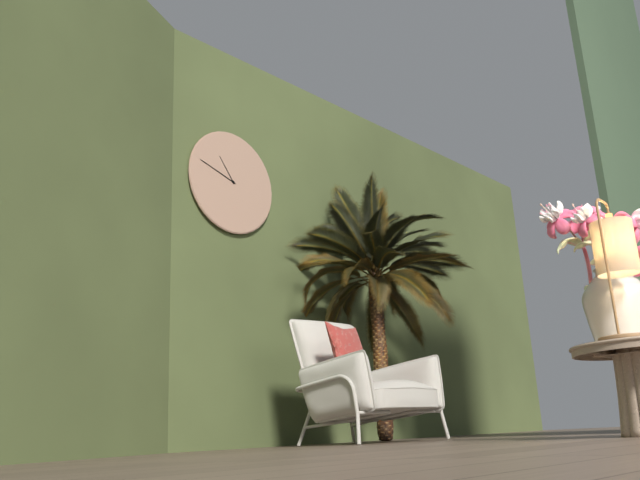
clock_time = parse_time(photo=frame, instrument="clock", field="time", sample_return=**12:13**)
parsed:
**10:48**
